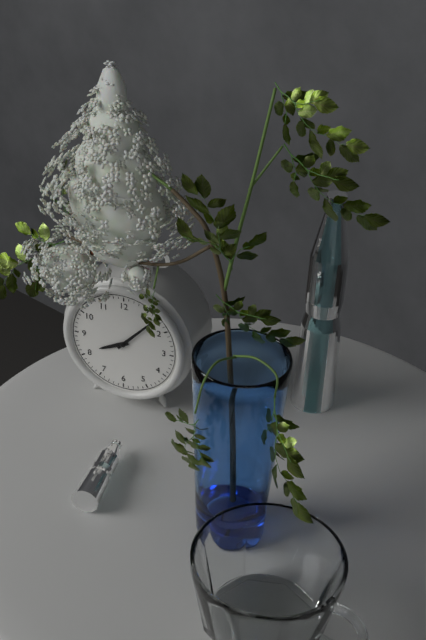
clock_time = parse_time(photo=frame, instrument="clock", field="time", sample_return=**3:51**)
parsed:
**8:07**
